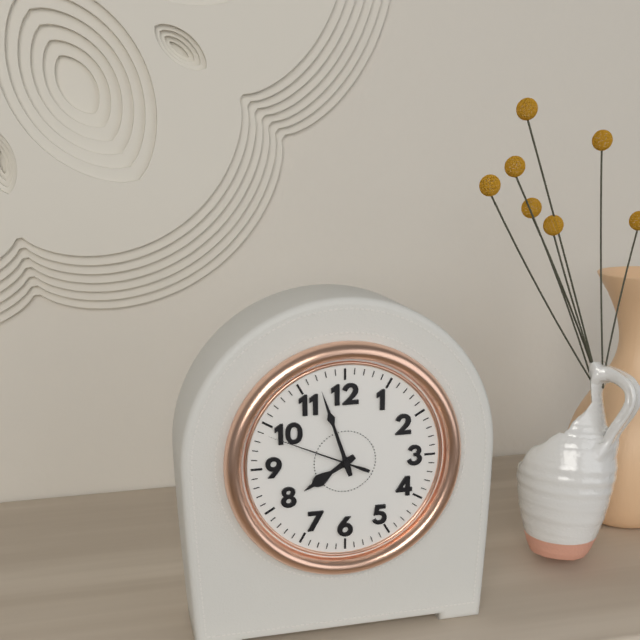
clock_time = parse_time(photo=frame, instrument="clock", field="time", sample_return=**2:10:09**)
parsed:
**7:57:49**
